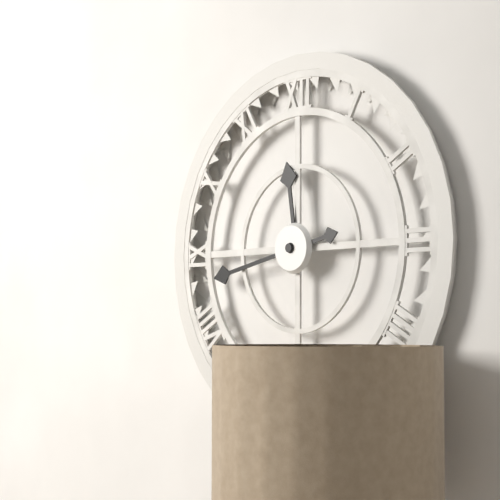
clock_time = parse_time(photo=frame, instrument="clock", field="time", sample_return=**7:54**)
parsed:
**11:43**
